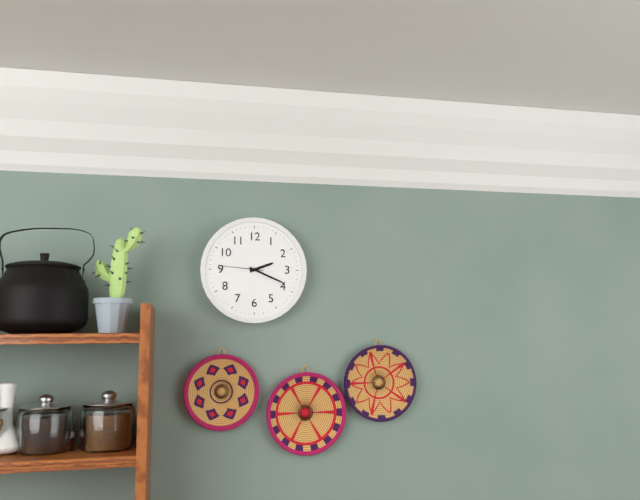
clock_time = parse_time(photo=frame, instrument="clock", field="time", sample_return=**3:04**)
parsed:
**2:19**
